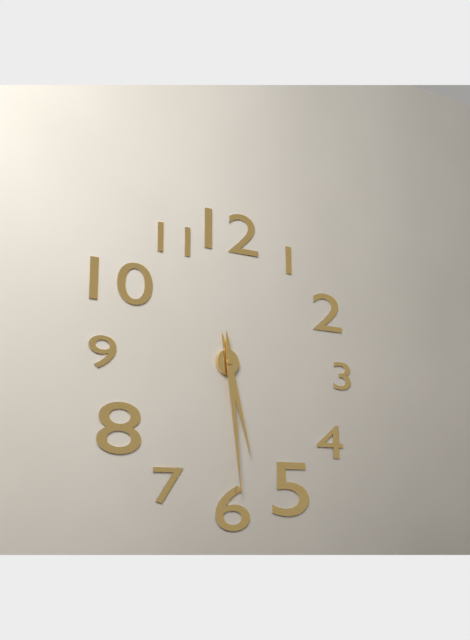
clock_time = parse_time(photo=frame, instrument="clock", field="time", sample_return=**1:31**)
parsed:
**5:29**
